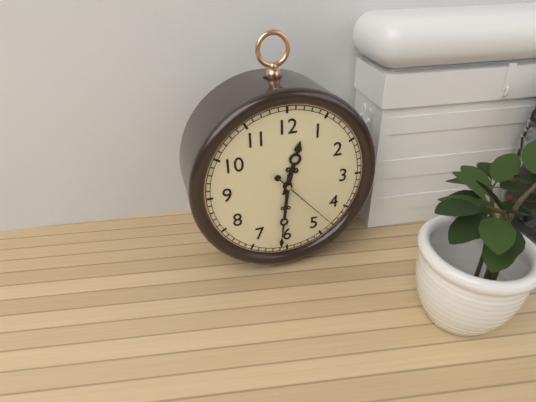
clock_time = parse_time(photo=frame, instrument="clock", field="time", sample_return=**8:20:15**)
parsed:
**12:31:23**
